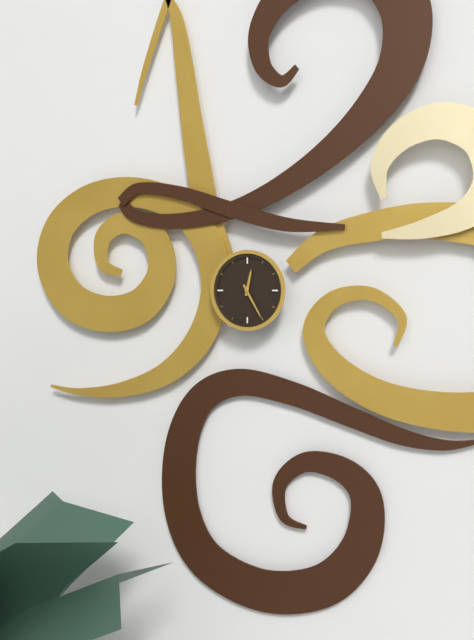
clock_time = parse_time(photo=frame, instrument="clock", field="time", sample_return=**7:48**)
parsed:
**12:25**
